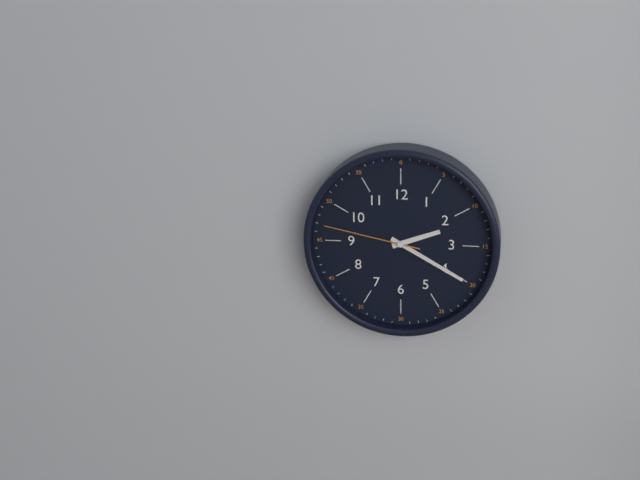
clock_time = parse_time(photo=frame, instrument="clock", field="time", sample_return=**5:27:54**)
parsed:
**2:20:47**
